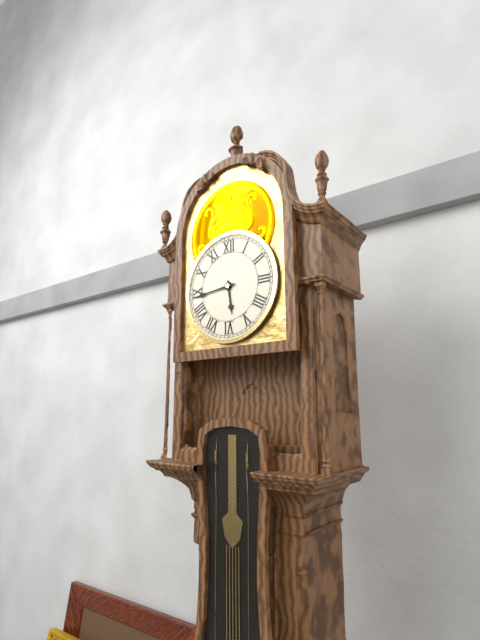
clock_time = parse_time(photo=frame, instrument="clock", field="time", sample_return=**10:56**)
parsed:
**5:44**
